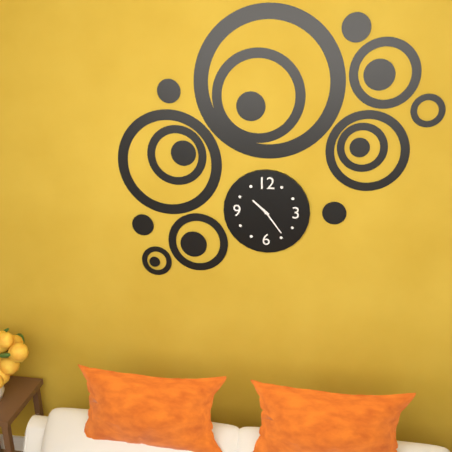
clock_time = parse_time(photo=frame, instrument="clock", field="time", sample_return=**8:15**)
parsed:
**10:24**
